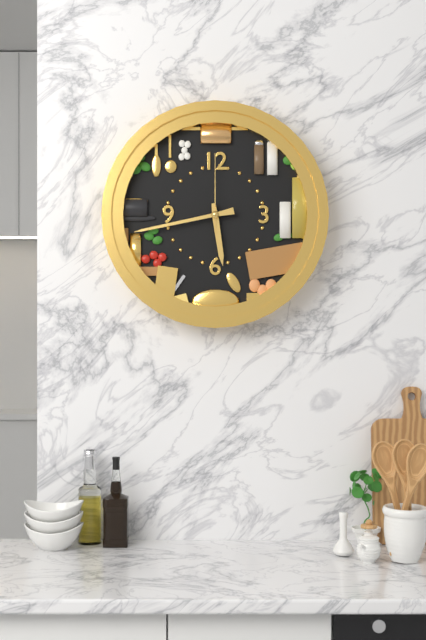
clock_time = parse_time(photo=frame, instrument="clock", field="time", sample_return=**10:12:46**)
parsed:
**5:43:00**
